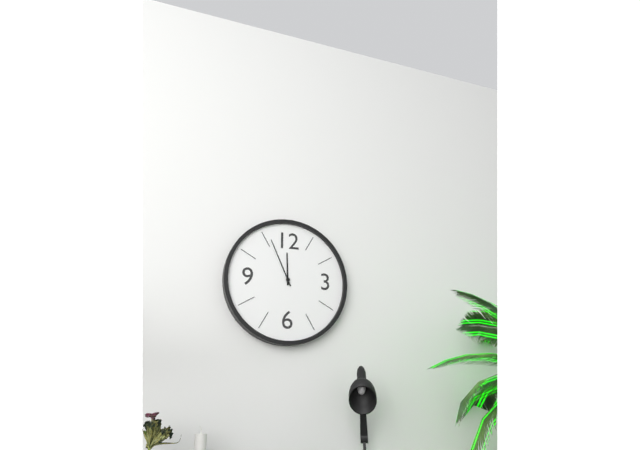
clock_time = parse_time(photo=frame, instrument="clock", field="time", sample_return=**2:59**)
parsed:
**11:56**
